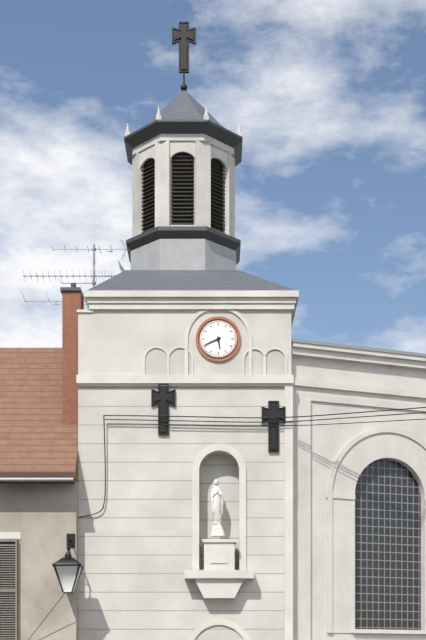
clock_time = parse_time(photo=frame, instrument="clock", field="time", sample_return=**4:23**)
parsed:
**5:41**
